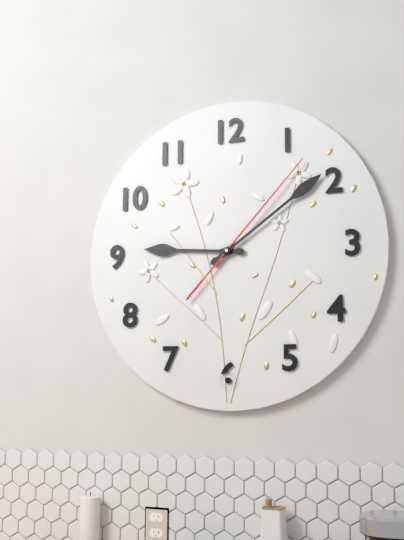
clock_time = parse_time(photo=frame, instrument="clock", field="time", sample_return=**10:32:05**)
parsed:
**9:09:07**
